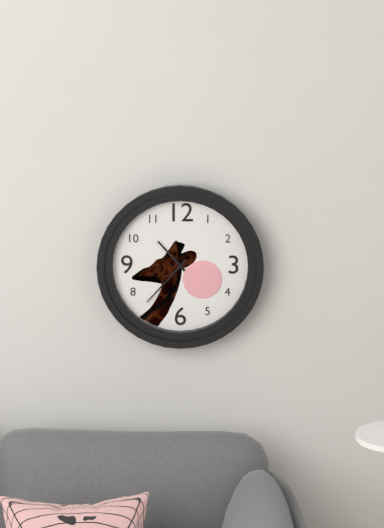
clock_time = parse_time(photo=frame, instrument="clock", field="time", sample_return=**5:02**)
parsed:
**10:37**
